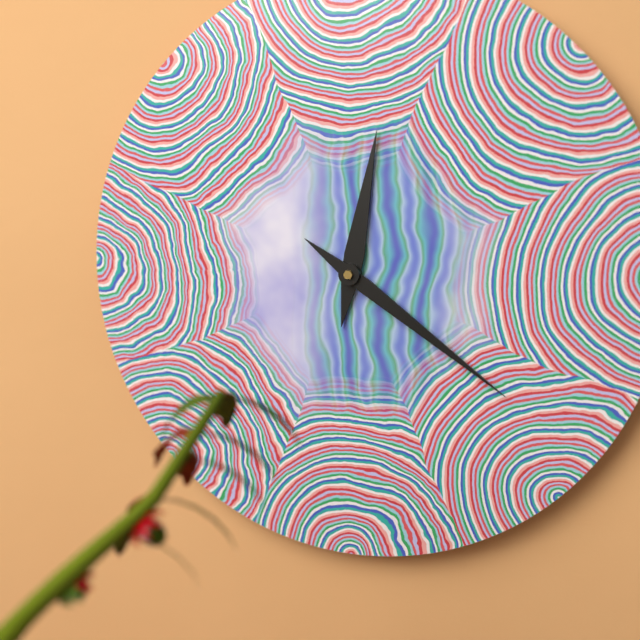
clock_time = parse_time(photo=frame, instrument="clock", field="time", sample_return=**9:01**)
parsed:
**12:21**
